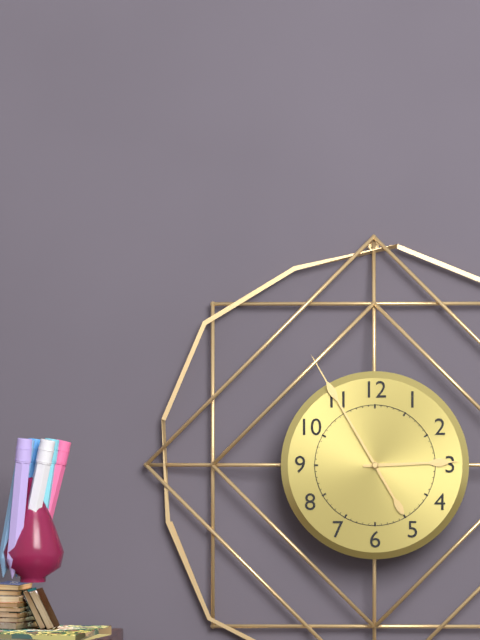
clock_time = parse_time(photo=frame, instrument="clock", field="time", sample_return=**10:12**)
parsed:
**2:55**
